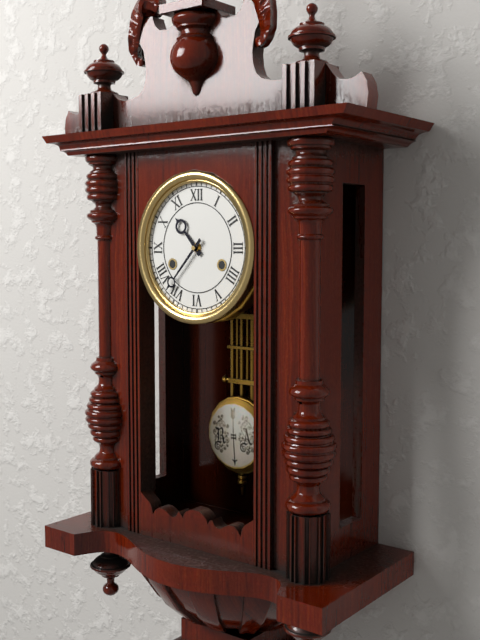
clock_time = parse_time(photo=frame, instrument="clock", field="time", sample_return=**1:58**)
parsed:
**10:37**
